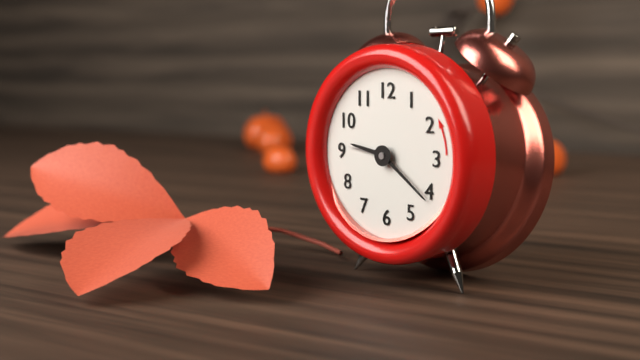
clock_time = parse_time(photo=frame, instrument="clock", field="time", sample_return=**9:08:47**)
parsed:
**9:21:46**
